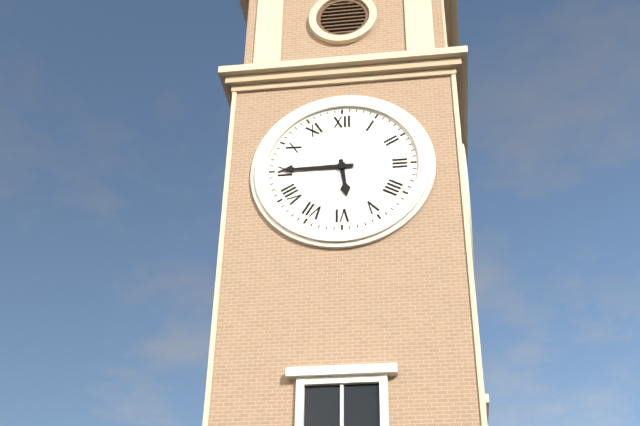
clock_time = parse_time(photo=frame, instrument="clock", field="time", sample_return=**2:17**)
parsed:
**5:45**
